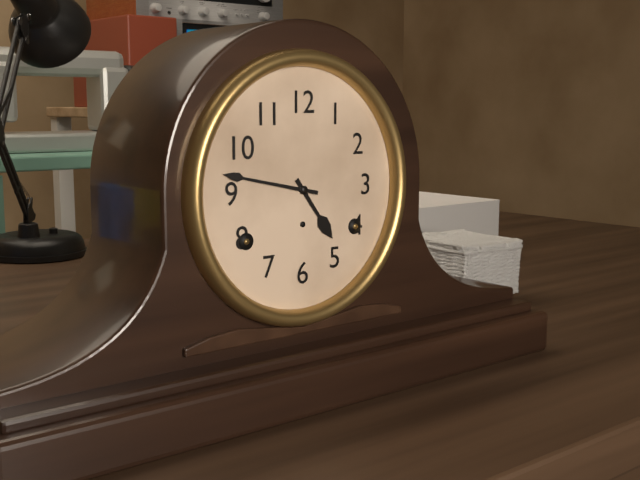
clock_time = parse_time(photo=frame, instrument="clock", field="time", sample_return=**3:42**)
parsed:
**4:47**
